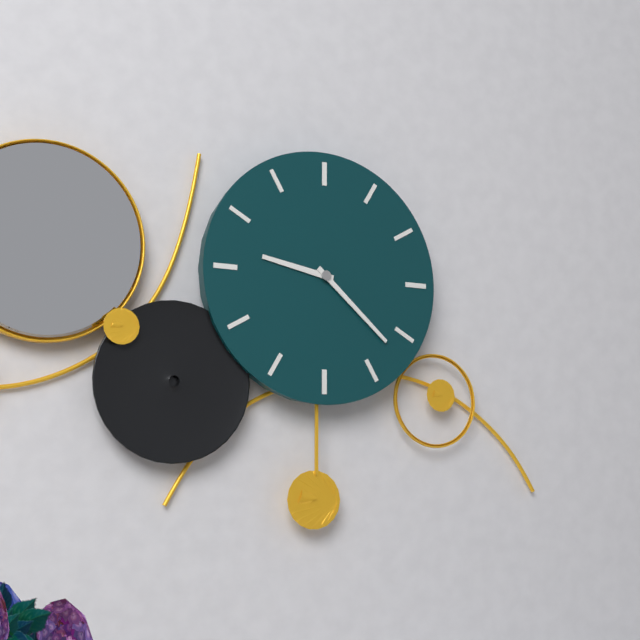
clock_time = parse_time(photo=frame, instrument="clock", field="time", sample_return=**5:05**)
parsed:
**9:22**
